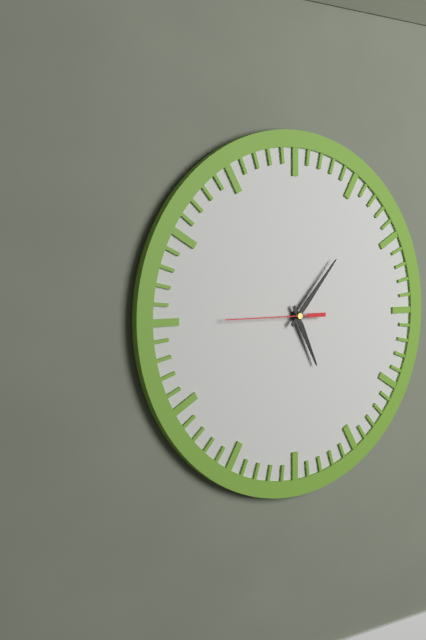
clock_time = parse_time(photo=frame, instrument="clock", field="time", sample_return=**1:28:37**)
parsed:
**5:07:45**
